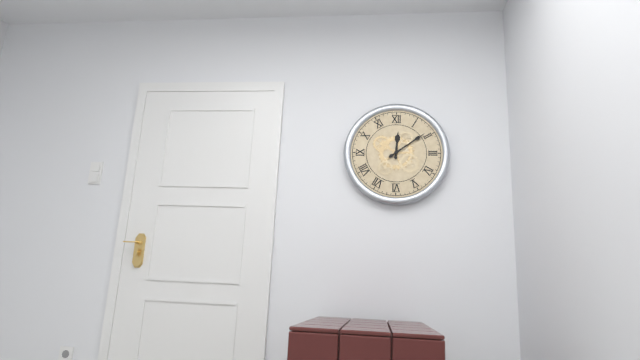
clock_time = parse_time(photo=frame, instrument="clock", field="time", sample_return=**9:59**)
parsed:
**12:09**
